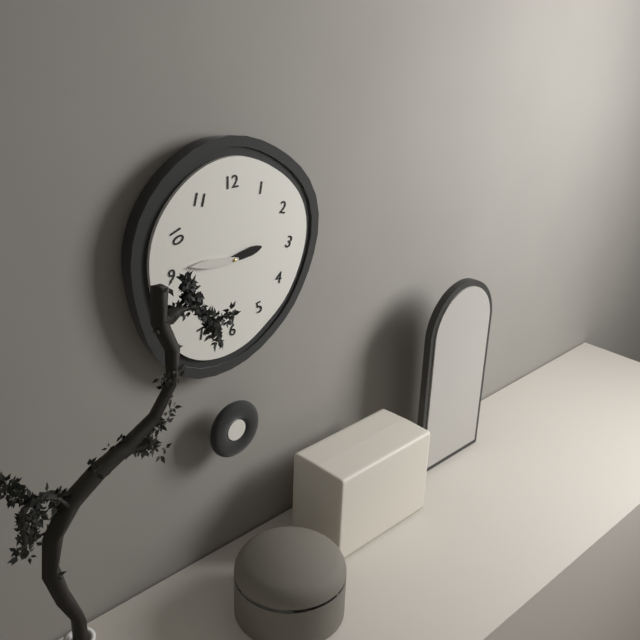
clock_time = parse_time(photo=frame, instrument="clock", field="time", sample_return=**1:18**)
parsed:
**2:46**
